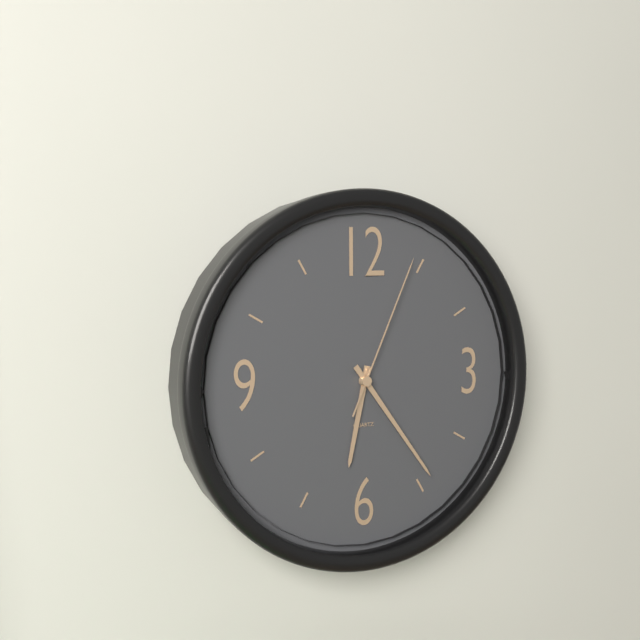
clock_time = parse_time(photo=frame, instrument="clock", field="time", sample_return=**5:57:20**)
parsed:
**6:24:04**
